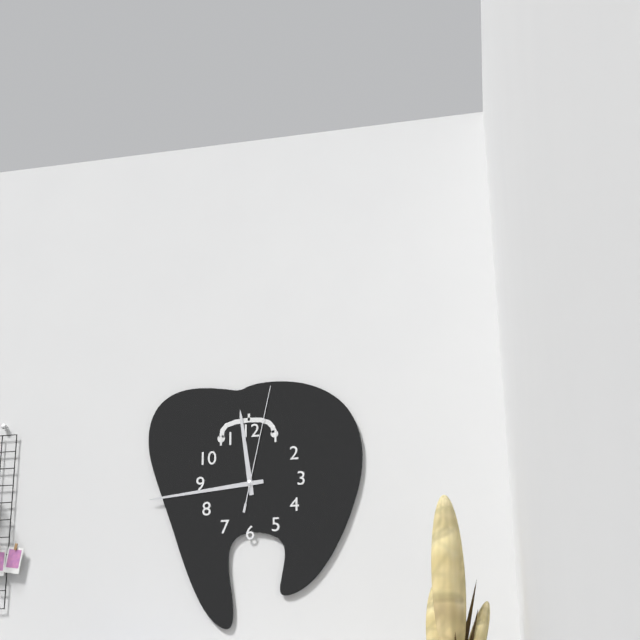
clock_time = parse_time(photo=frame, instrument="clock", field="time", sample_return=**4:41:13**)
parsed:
**11:44:02**
